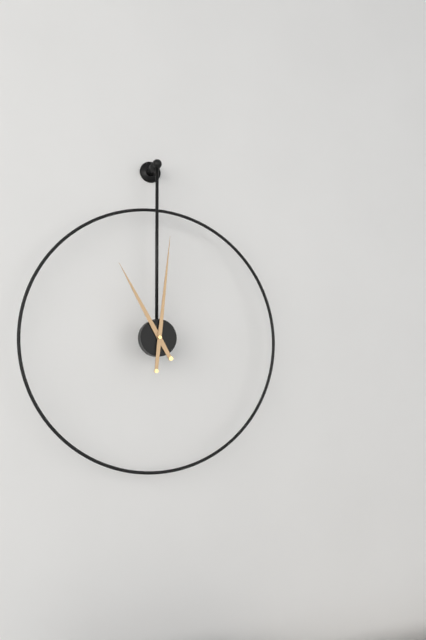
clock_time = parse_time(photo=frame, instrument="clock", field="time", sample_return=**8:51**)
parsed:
**11:01**
